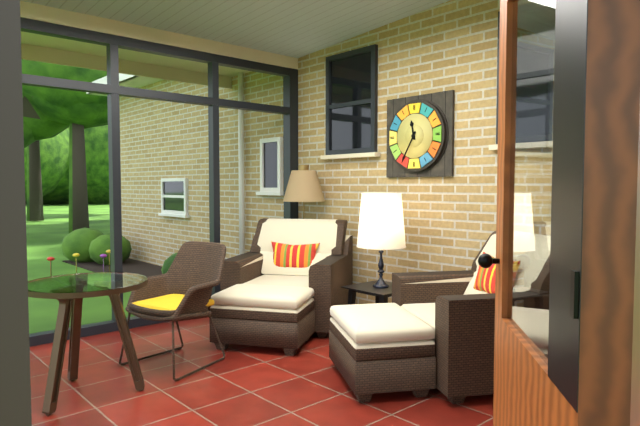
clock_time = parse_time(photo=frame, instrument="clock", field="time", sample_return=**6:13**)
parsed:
**11:35**
